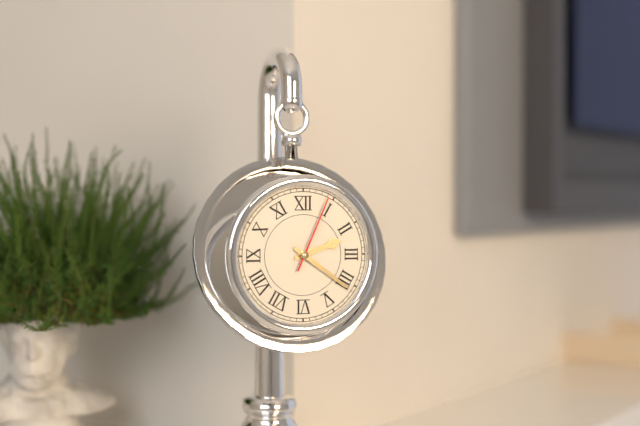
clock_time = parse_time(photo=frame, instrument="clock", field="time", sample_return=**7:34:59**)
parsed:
**2:21:04**
